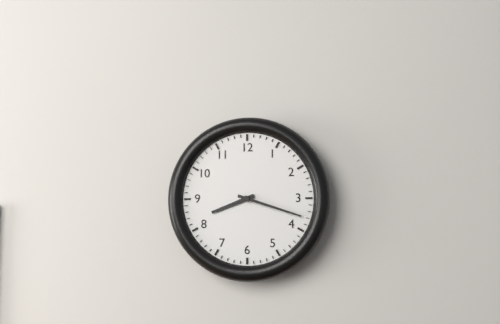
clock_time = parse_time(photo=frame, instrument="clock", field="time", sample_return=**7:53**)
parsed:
**8:18**
